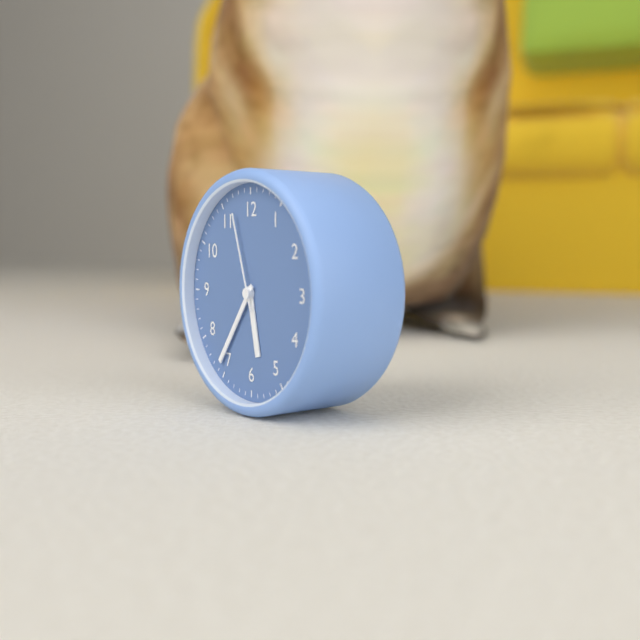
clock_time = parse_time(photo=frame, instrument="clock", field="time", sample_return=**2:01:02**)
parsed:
**5:36:57**
